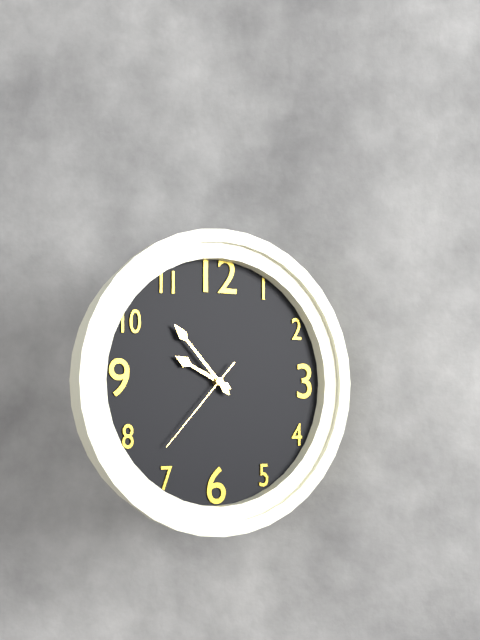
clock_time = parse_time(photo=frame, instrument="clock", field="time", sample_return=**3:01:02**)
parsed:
**9:53:37**
